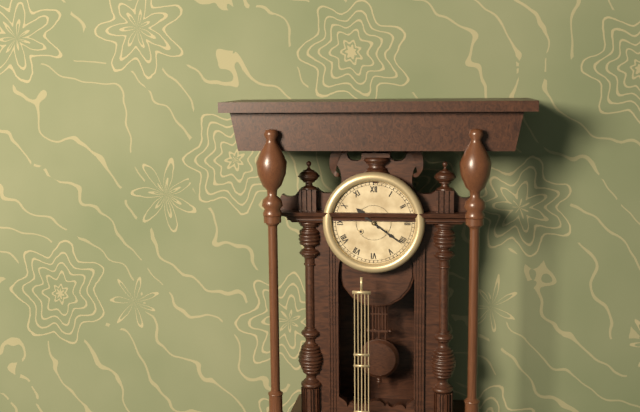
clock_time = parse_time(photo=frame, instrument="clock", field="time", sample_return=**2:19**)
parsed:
**10:21**
